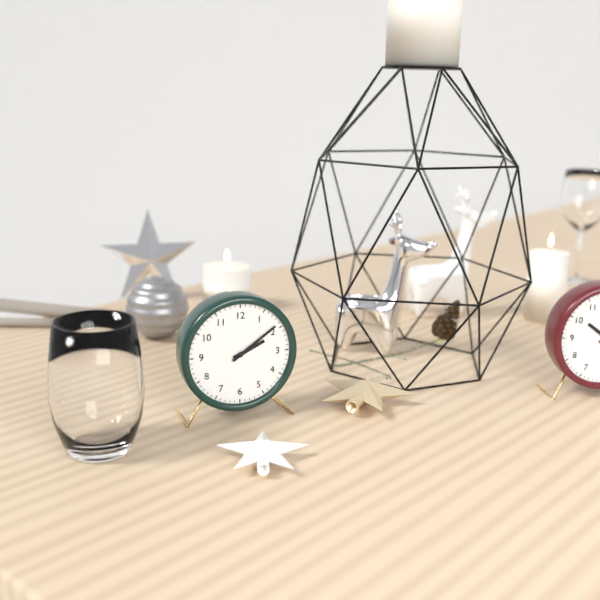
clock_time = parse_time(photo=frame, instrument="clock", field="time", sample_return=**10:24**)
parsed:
**2:09**
